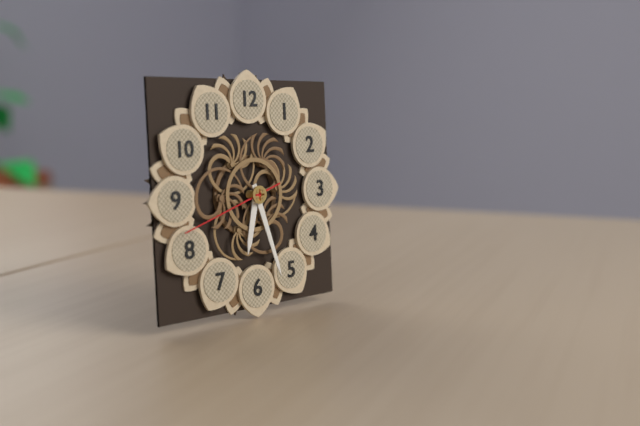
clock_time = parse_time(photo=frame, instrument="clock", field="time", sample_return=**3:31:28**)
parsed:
**6:27:42**
